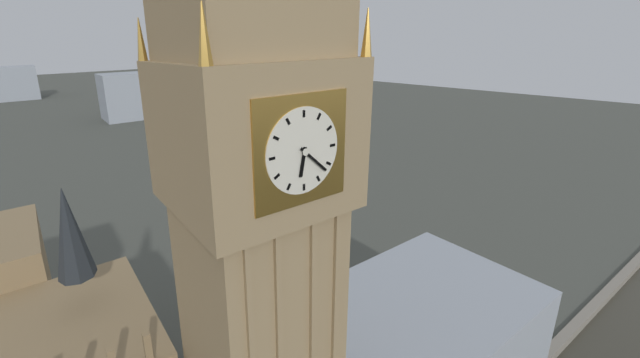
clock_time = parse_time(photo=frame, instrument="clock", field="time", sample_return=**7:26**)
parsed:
**6:22**
